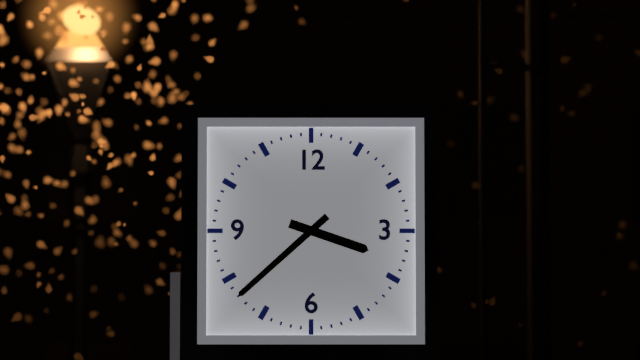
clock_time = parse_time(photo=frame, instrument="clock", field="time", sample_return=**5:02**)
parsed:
**3:38**
